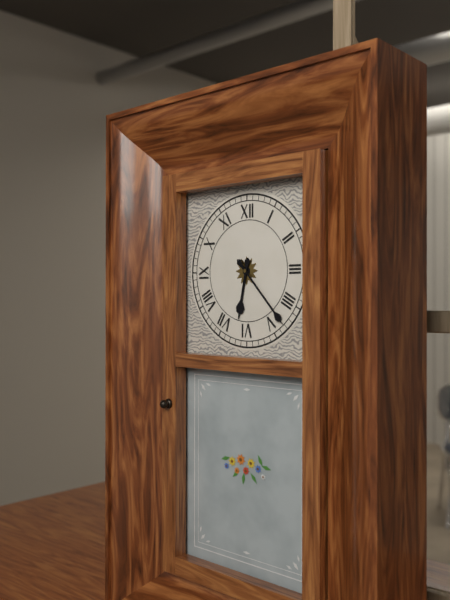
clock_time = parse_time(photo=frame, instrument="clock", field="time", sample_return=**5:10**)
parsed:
**6:23**
